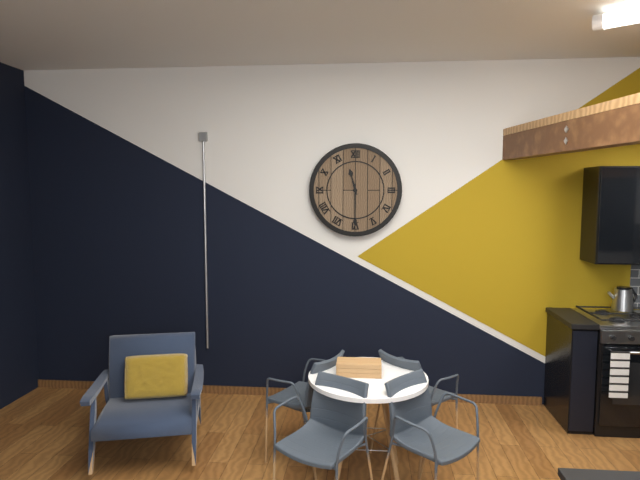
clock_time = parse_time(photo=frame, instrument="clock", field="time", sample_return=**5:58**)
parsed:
**11:30**
